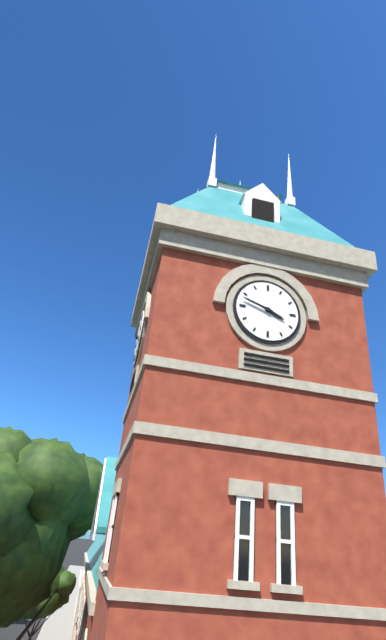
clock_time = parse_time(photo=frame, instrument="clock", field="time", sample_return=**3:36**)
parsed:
**3:48**
